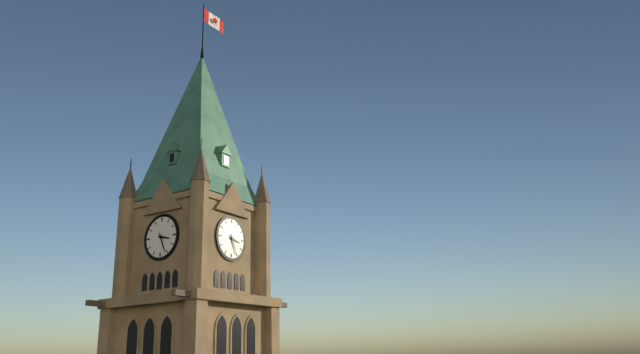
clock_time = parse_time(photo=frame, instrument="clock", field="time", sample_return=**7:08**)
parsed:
**3:26**
